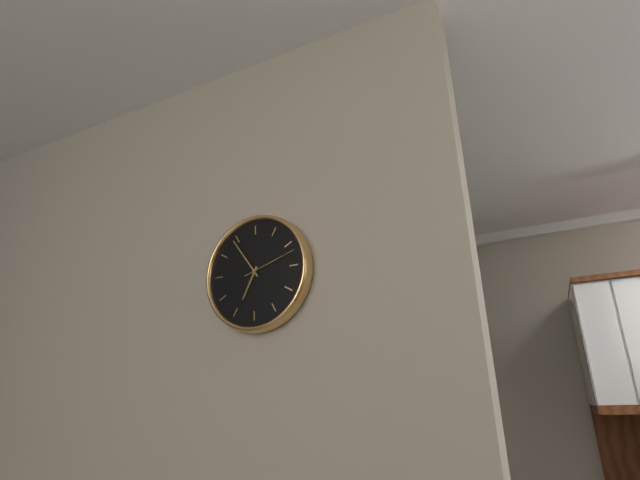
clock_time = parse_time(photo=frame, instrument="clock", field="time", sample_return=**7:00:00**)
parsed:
**6:54:12**
